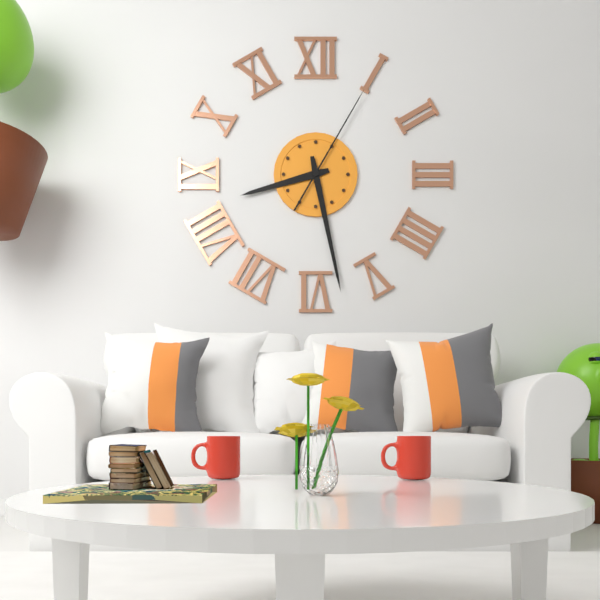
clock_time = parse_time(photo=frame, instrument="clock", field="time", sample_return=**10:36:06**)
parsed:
**8:28:05**
